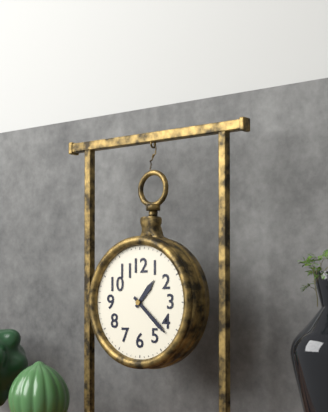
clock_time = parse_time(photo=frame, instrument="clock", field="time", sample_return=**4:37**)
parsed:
**1:22**
